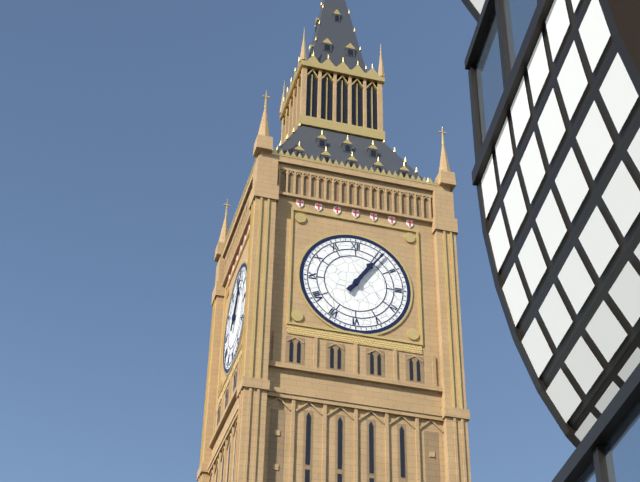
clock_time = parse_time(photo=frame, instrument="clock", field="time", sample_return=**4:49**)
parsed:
**1:06**
